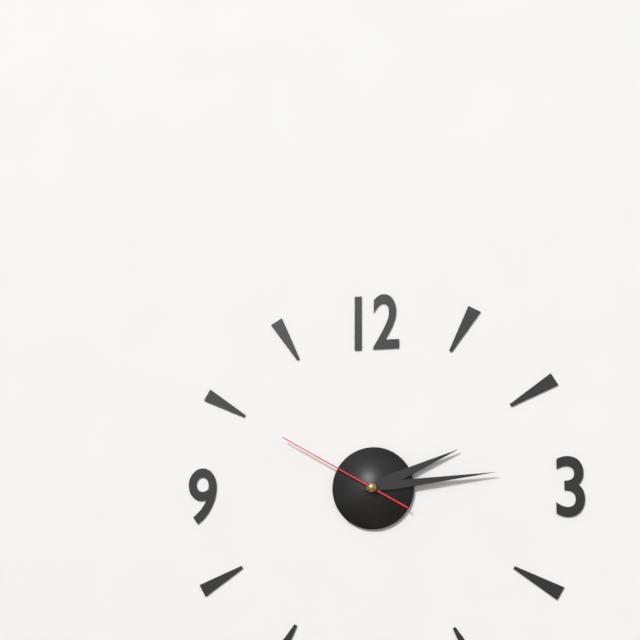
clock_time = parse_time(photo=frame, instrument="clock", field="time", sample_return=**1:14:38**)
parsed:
**2:14:50**
